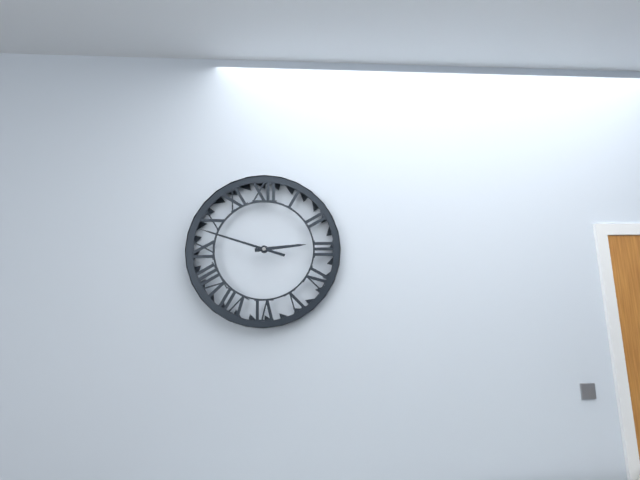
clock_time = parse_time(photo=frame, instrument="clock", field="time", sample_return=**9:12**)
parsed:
**2:48**
